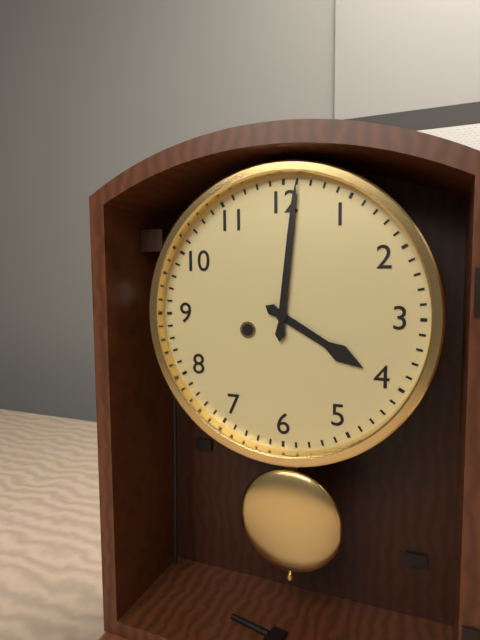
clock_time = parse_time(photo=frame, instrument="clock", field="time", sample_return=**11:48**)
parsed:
**4:01**
